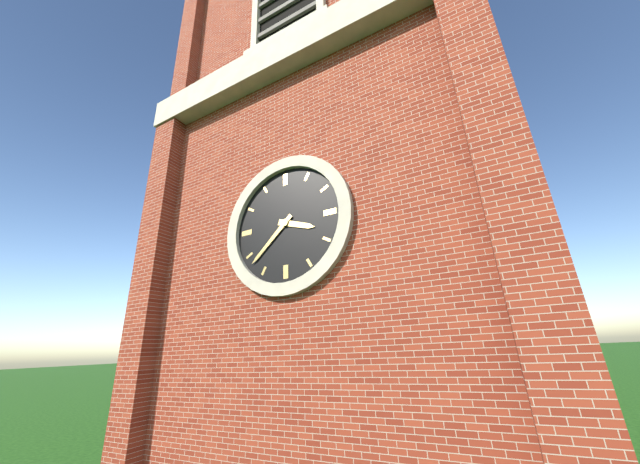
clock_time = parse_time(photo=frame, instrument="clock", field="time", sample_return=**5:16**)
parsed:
**3:38**
